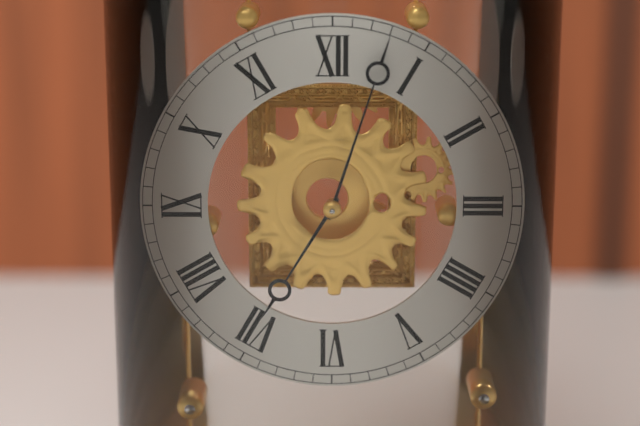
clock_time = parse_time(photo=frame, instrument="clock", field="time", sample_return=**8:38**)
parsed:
**7:03**
